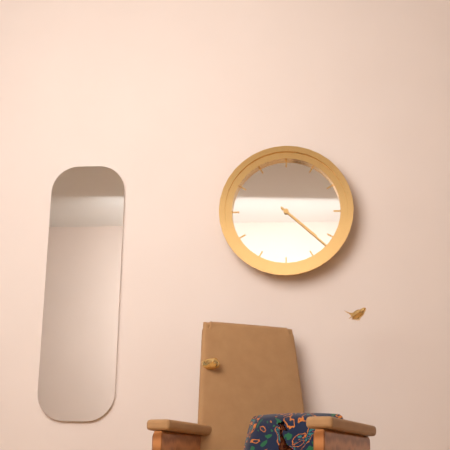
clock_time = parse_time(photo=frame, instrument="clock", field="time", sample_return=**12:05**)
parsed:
**4:22**
